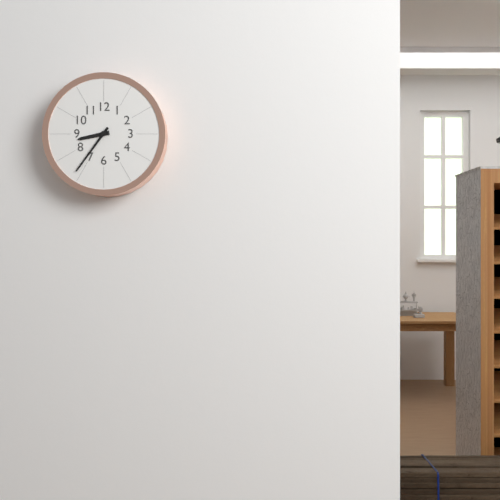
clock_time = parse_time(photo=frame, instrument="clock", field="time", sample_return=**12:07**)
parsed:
**8:36**
